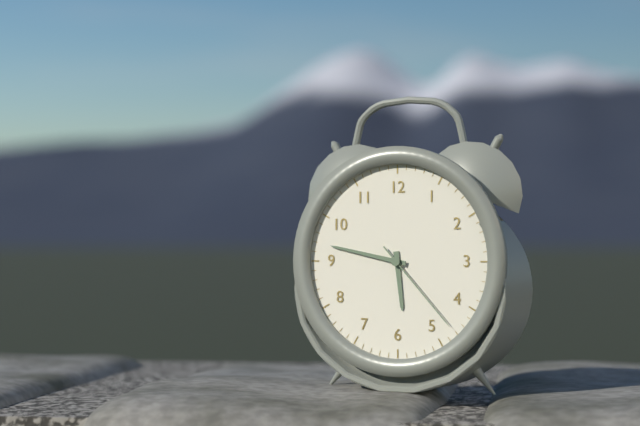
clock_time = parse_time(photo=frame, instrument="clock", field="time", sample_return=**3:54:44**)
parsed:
**5:47:23**
